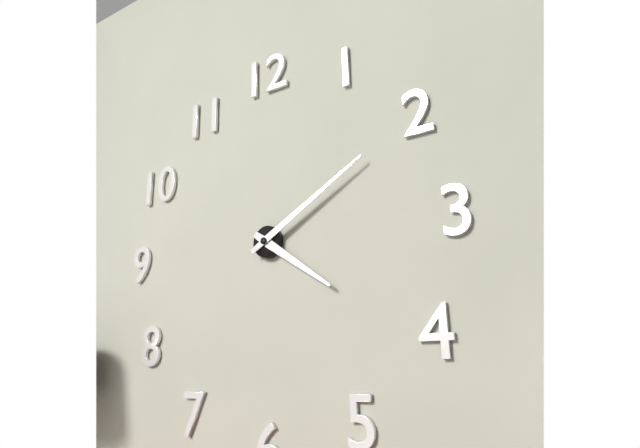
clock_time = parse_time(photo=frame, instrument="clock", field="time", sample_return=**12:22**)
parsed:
**4:10**
